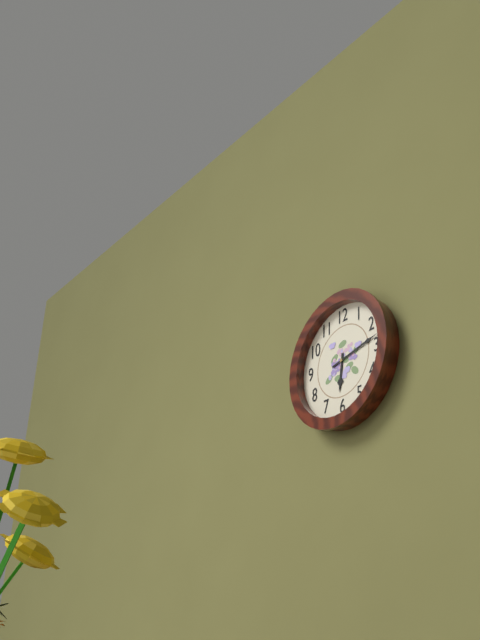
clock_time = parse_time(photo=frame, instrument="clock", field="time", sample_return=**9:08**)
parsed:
**6:13**
